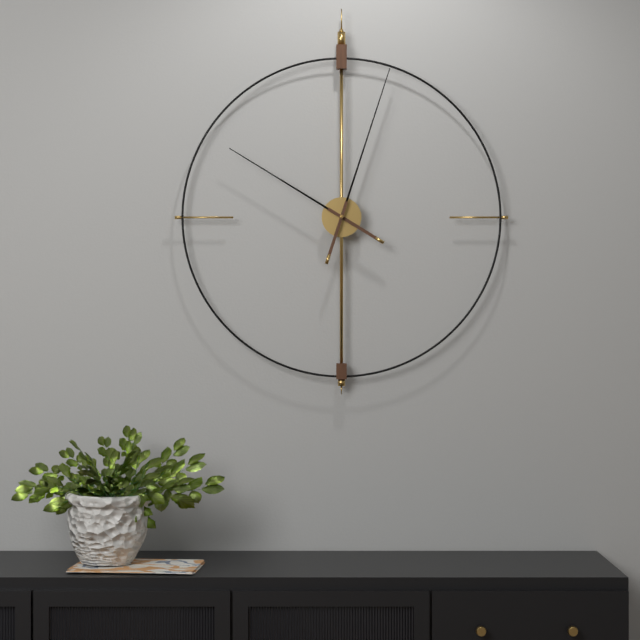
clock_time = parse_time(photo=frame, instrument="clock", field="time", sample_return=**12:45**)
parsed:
**10:03**
